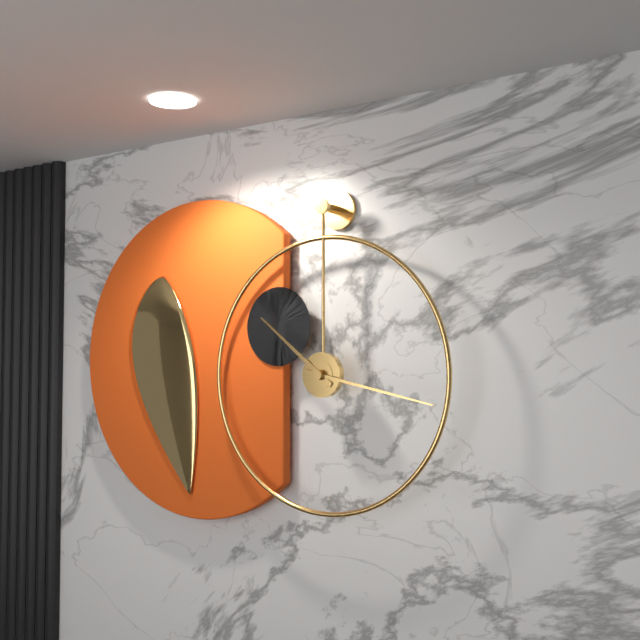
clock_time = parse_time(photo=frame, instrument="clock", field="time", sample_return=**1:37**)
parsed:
**10:17**
